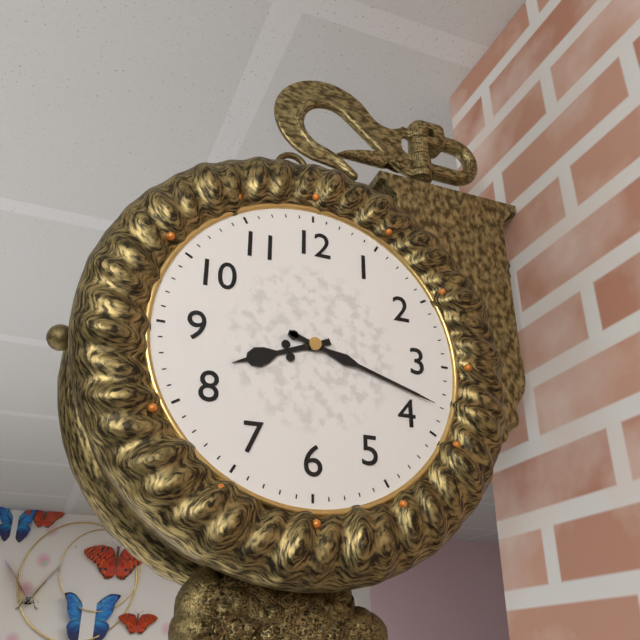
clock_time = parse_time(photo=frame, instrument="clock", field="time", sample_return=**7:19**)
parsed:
**8:18**
